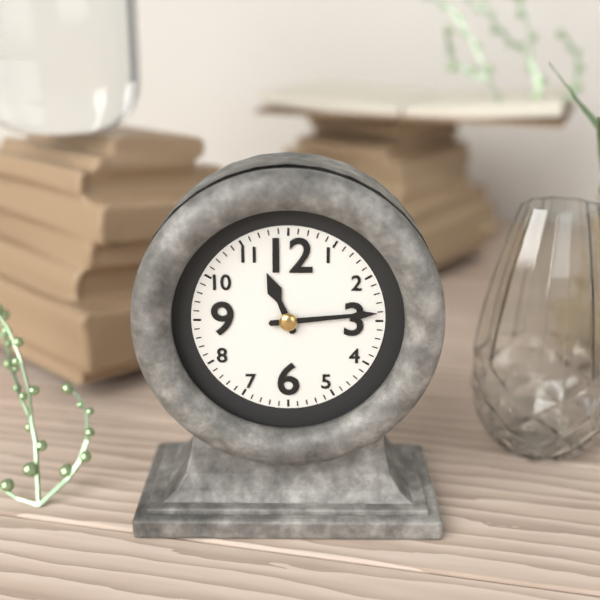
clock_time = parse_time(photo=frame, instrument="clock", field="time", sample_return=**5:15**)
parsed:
**11:14**
